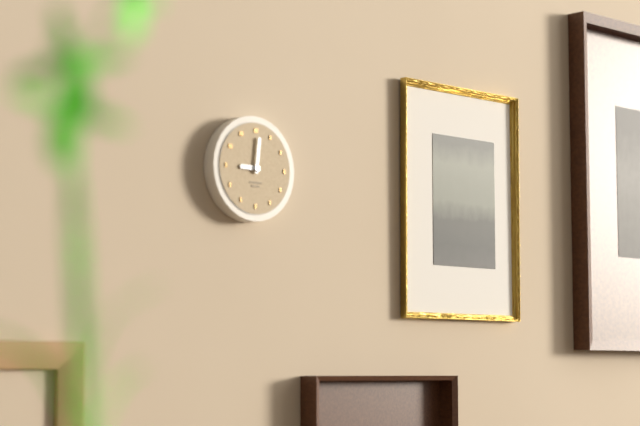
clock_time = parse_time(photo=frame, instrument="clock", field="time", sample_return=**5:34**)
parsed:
**9:01**
